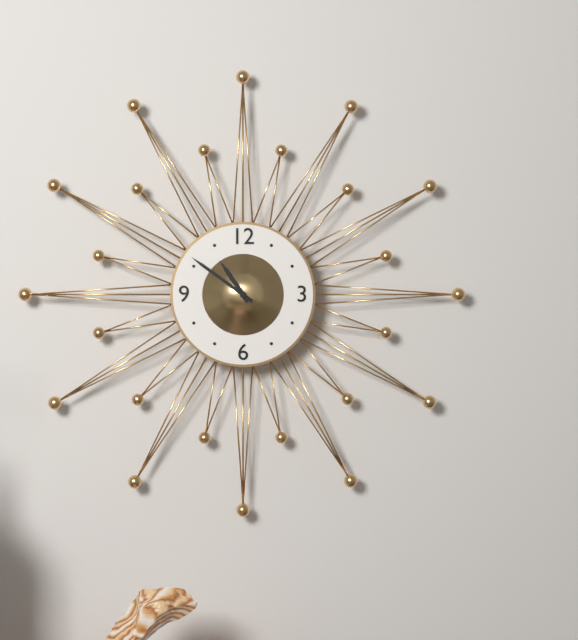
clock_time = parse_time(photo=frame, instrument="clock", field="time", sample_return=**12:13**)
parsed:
**10:51**
